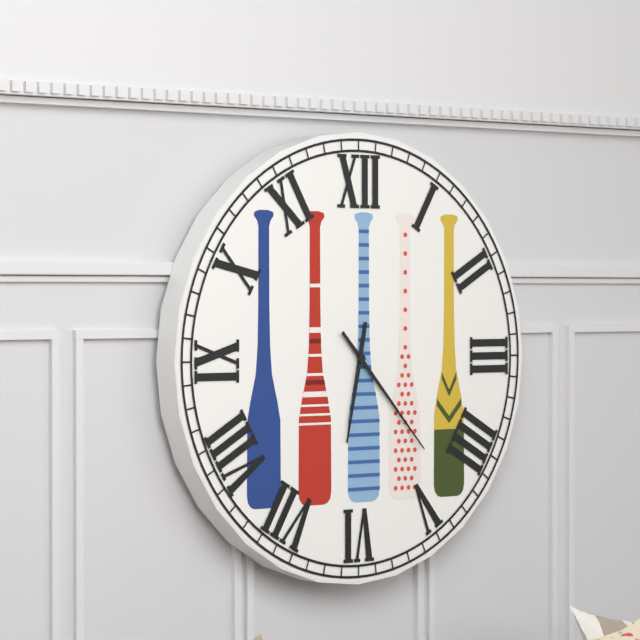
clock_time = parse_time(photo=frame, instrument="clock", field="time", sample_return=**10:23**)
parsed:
**6:23**
